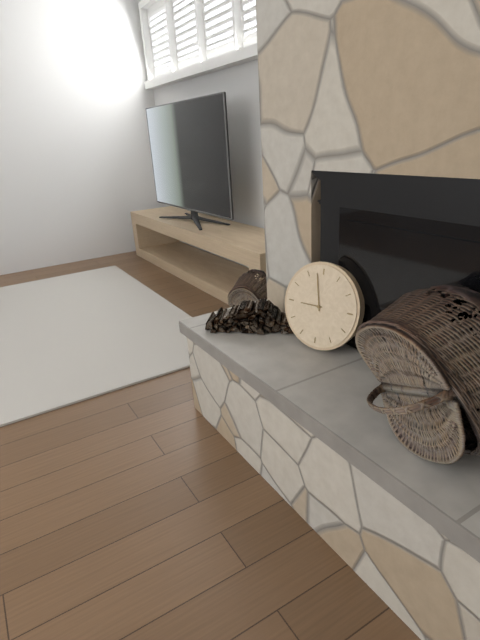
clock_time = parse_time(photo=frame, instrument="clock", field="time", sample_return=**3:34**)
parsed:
**8:58**
